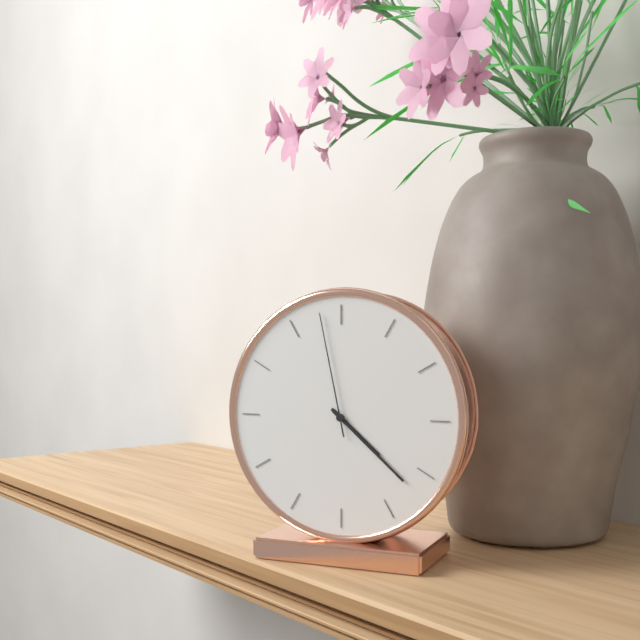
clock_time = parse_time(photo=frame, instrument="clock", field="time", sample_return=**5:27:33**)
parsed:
**4:22:58**
